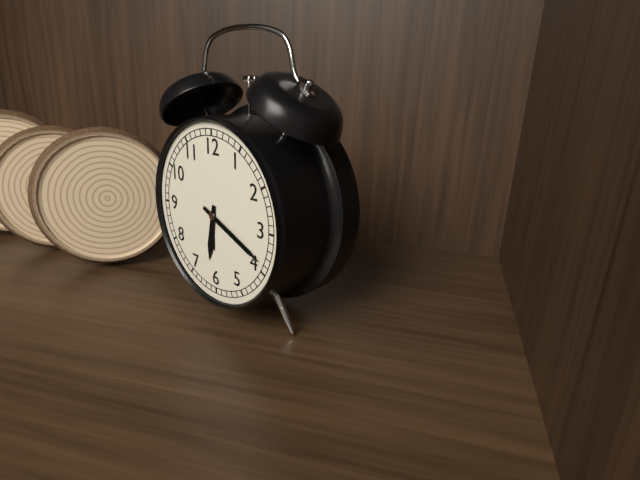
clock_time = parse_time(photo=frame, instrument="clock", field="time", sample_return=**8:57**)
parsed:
**6:19**
